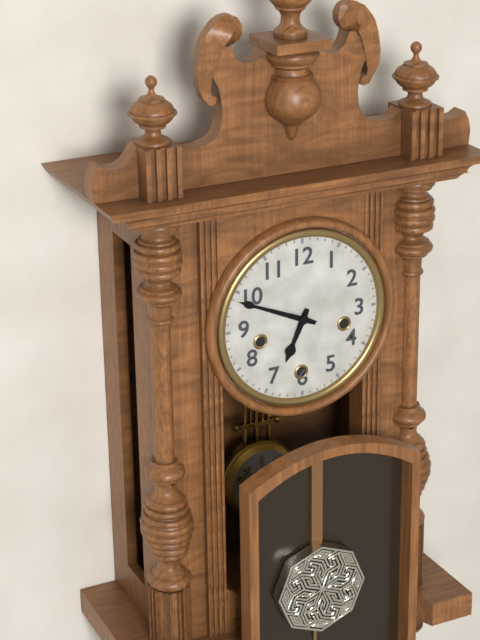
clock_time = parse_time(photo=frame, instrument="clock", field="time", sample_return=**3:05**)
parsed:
**6:49**
